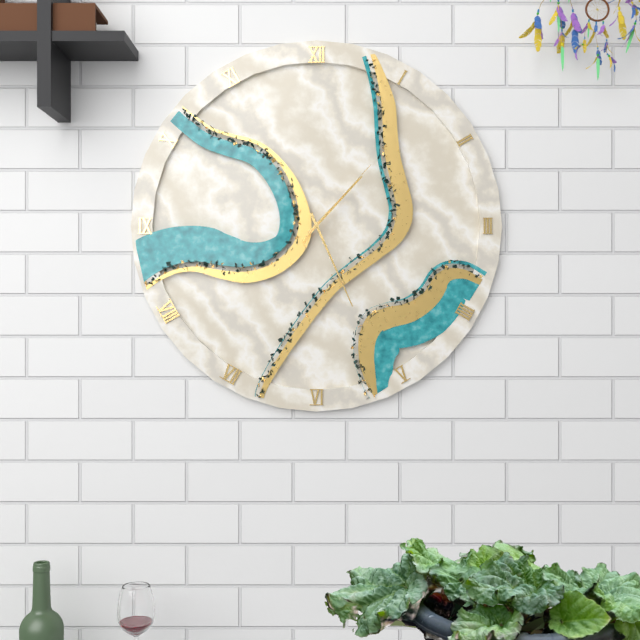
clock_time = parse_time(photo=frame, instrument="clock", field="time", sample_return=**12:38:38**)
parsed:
**1:26:07**
